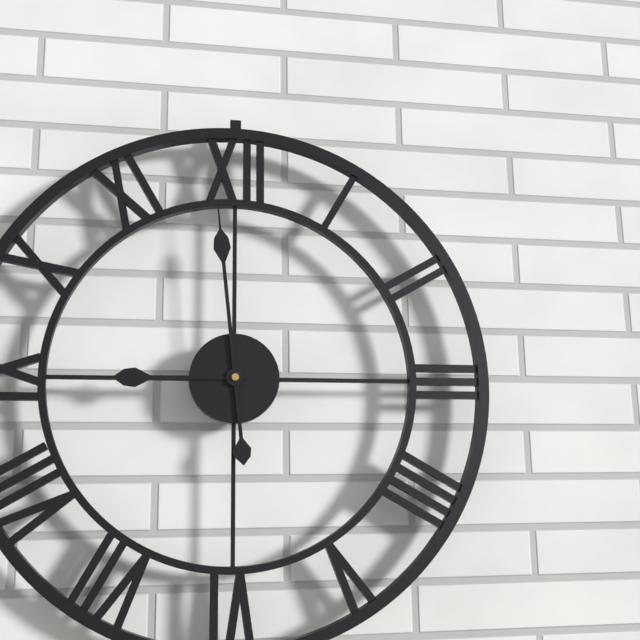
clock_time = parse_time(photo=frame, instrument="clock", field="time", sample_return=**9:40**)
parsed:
**8:59**
